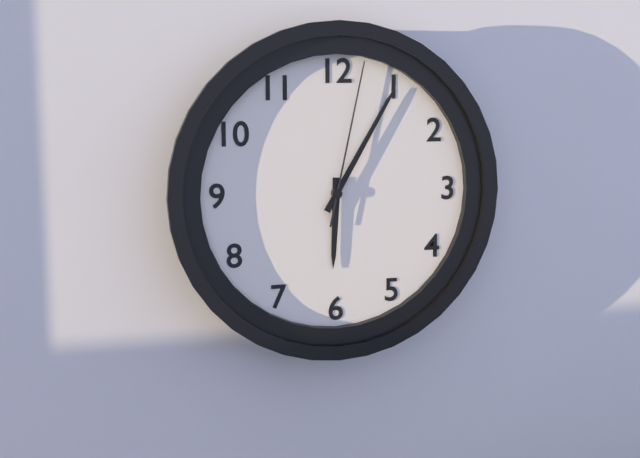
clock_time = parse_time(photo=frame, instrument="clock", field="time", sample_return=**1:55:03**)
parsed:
**6:05:02**
